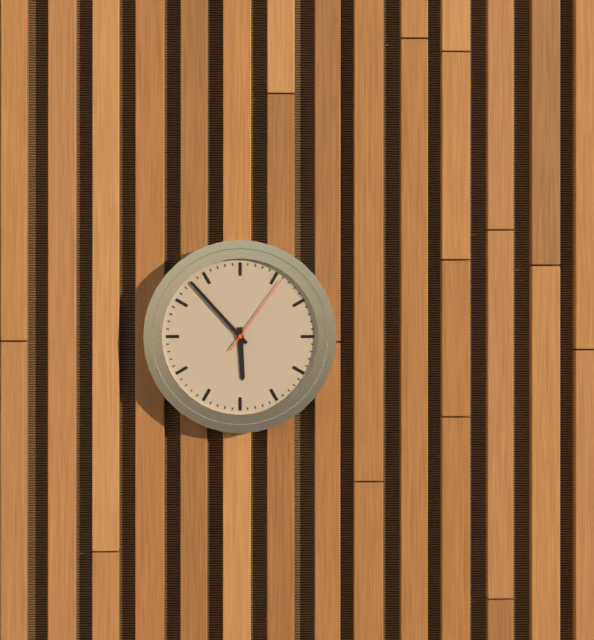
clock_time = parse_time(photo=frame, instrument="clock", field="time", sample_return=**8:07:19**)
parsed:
**5:53:06**
